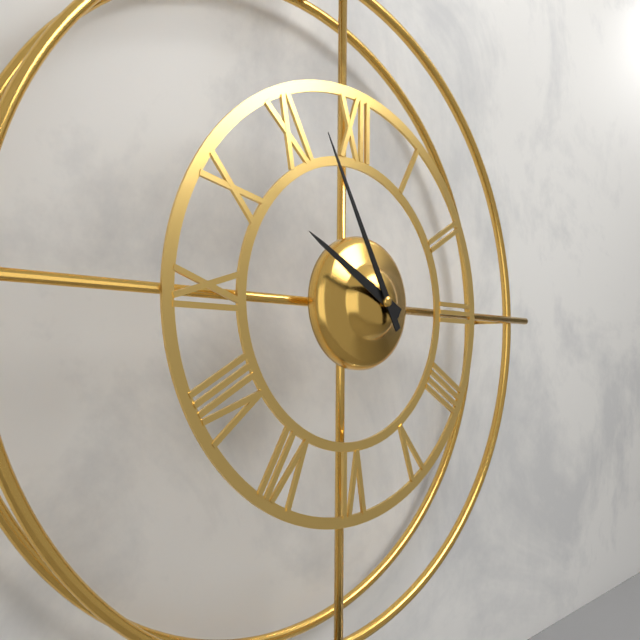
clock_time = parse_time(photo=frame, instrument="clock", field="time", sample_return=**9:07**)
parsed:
**9:55**
